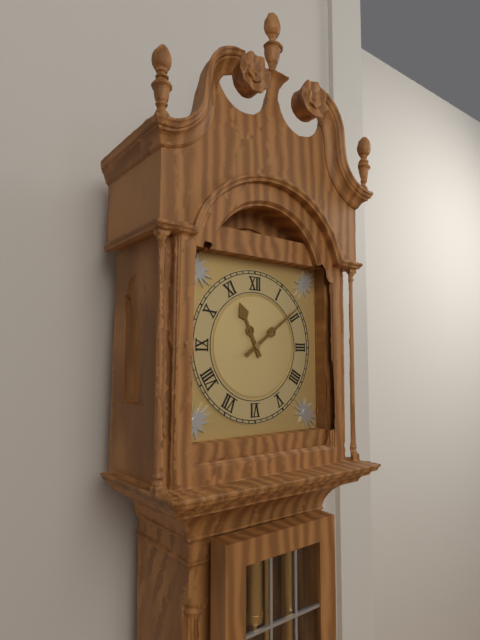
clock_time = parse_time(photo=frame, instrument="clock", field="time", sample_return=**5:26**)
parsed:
**11:09**
